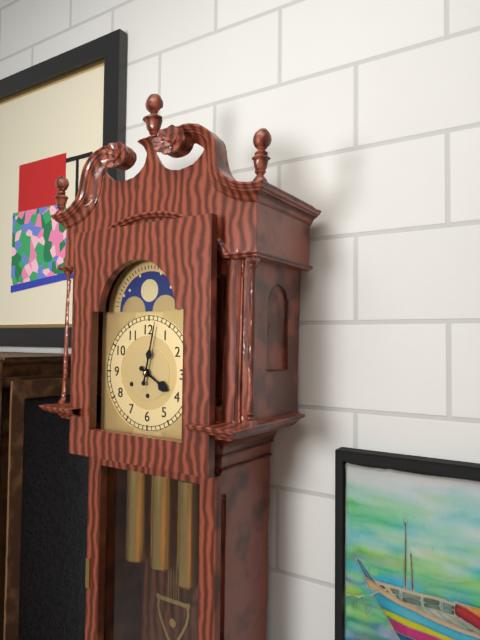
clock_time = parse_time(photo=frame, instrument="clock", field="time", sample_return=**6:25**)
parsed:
**4:02**
